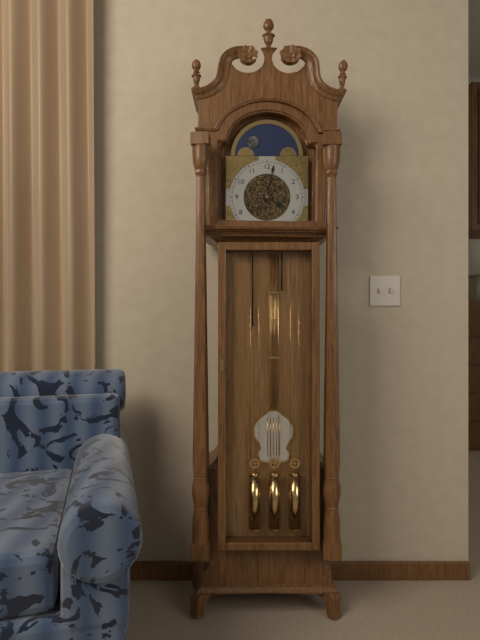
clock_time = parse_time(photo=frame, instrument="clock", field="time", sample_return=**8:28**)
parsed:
**4:02**
